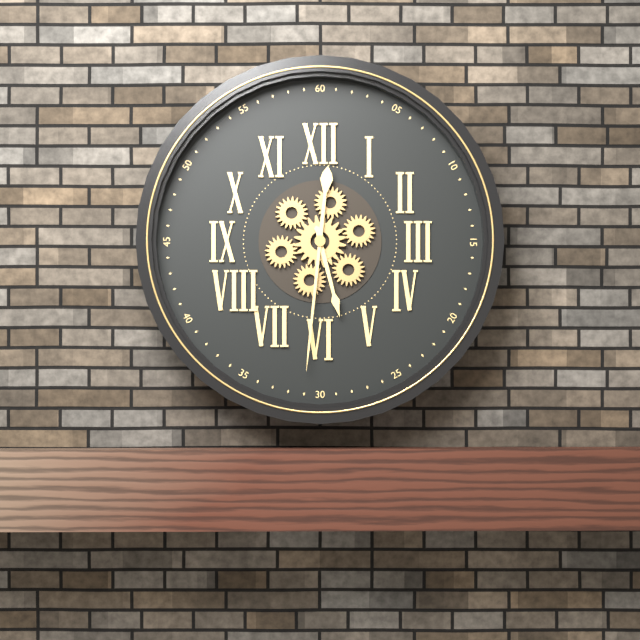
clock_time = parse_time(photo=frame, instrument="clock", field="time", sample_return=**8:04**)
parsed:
**5:31**
